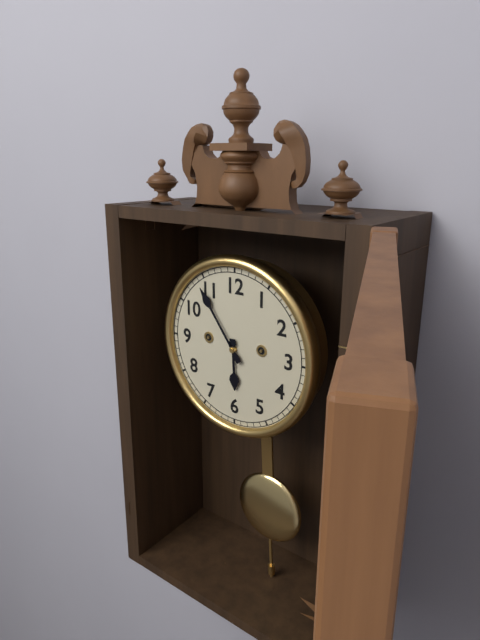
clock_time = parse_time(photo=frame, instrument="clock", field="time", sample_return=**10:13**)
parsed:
**5:54**
